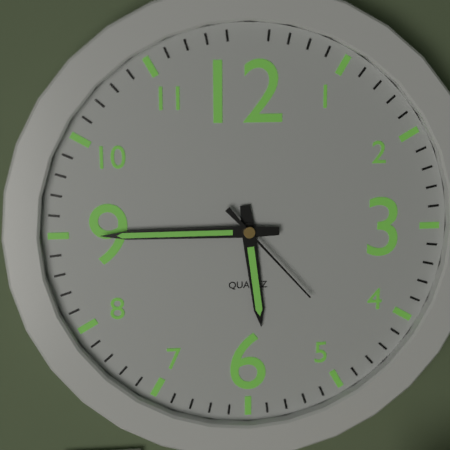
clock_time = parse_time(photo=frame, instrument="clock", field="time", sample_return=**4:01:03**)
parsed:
**5:45:23**
